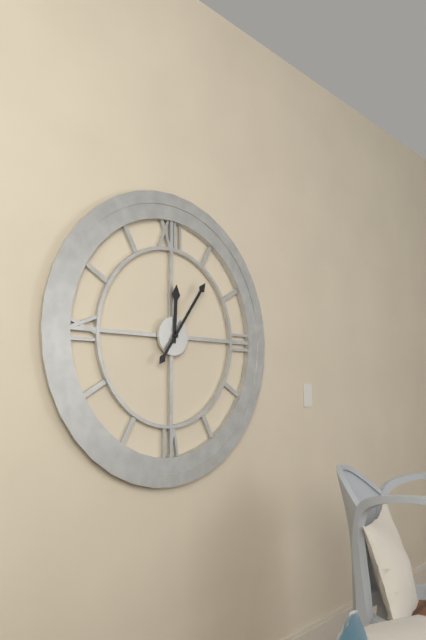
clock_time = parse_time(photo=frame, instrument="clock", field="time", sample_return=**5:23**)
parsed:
**12:06**
